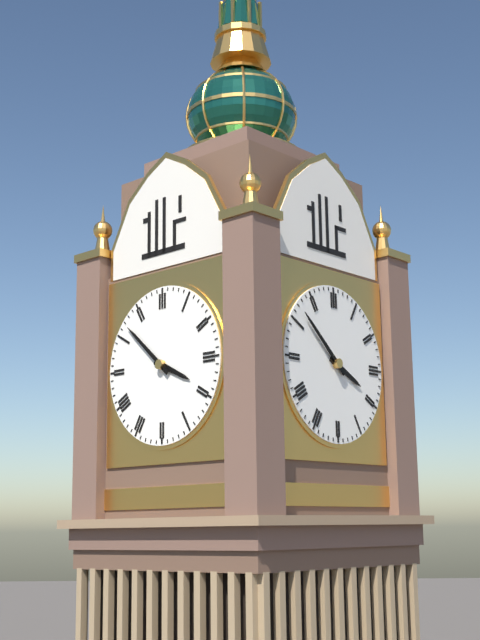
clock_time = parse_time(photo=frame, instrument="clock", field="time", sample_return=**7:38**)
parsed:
**3:52**
